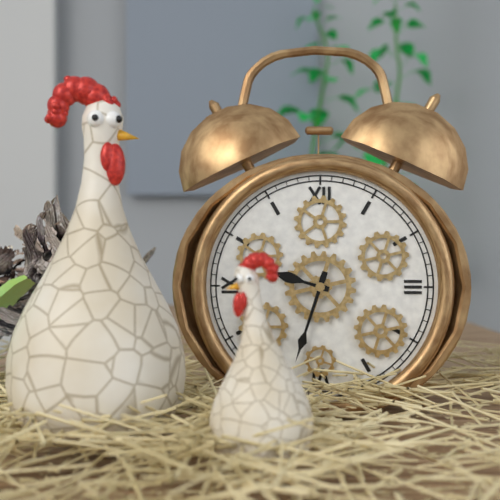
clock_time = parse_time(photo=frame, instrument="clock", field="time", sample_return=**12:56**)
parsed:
**9:33**
